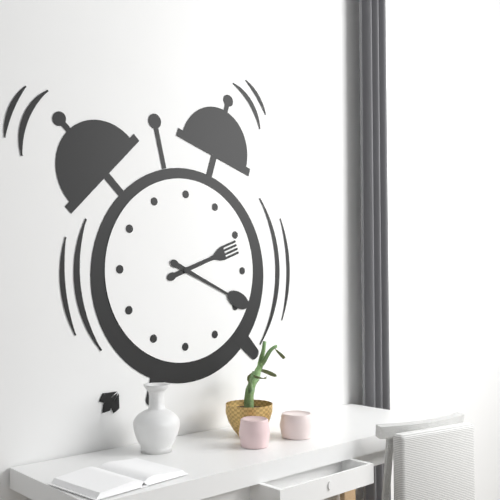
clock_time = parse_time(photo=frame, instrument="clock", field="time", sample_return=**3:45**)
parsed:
**2:19**
